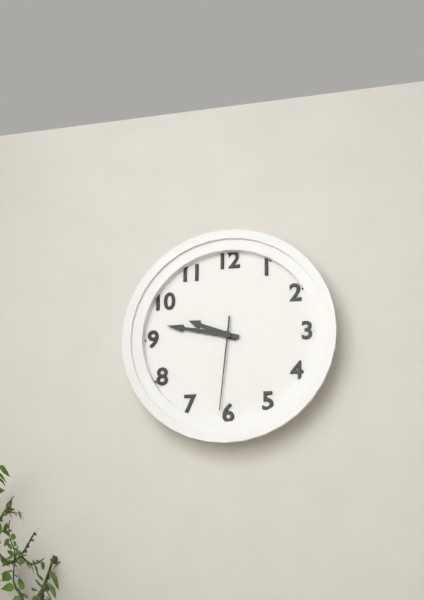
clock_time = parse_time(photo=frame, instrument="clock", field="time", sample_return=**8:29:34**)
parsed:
**9:47:31**
